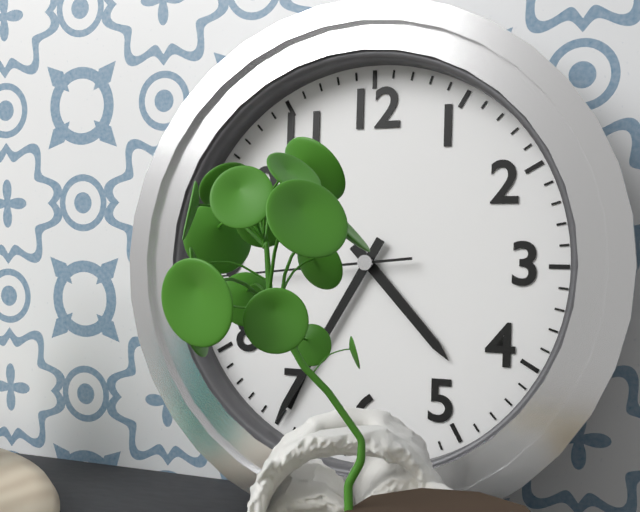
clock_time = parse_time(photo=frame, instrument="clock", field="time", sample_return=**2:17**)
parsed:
**4:35**
